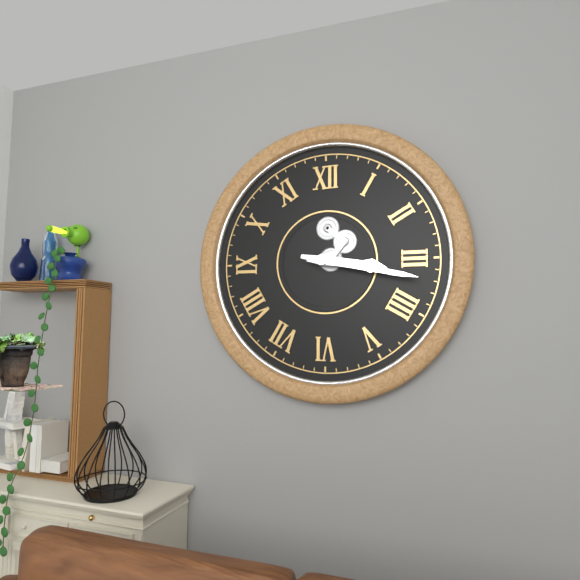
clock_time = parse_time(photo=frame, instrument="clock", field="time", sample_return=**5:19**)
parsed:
**3:17**
